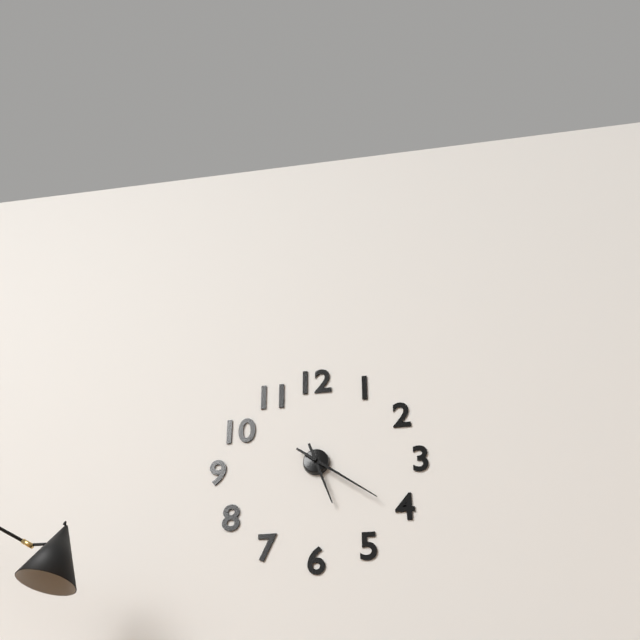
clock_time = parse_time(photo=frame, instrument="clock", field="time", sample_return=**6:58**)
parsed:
**5:21**
